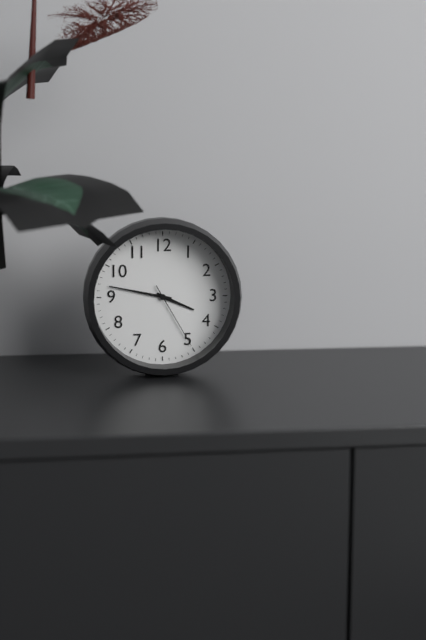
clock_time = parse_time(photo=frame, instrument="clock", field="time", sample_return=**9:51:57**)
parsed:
**3:47:25**
